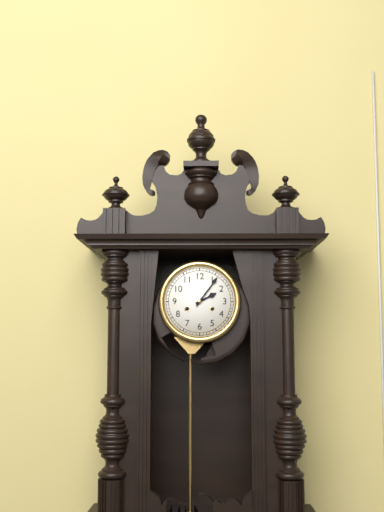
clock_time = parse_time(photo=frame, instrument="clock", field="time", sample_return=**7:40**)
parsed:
**2:06**
